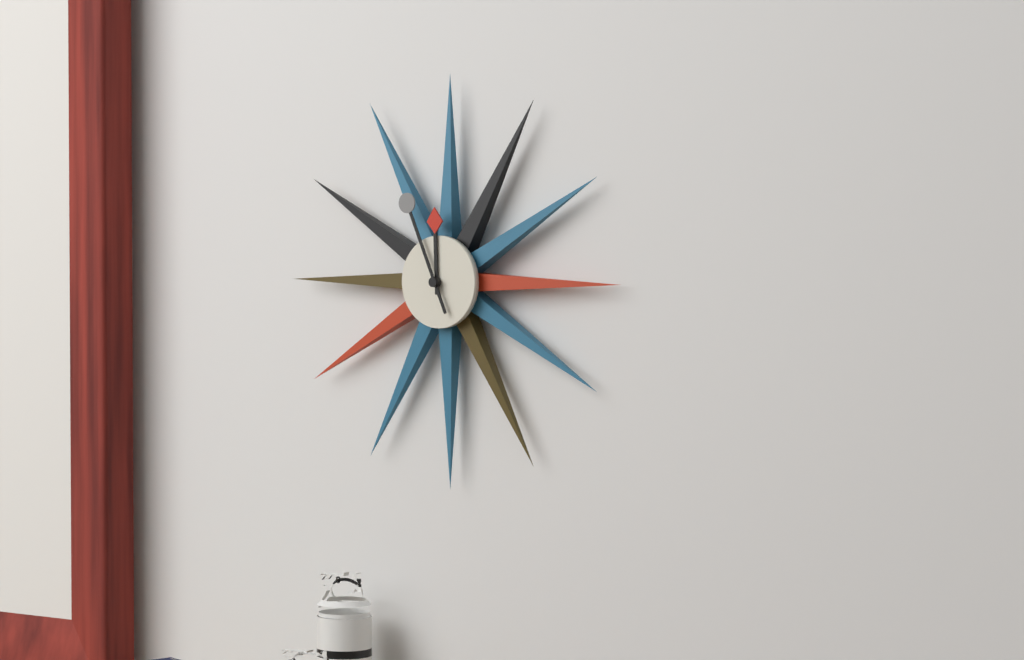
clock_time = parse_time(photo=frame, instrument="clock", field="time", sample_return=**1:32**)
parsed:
**11:56**
